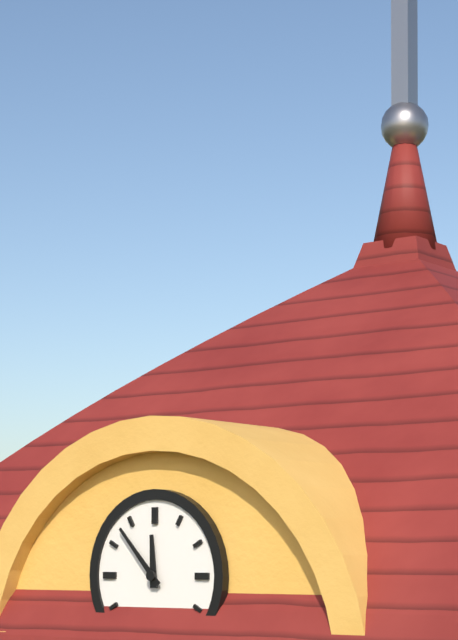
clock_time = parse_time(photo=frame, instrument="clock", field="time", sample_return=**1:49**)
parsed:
**11:53**
